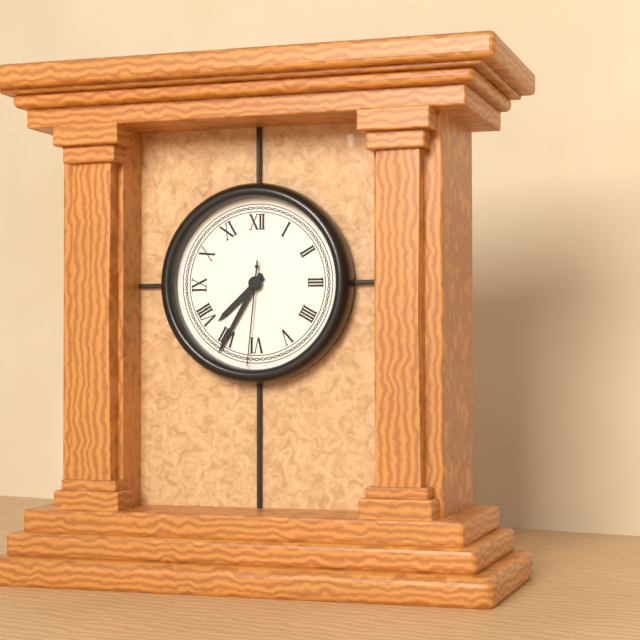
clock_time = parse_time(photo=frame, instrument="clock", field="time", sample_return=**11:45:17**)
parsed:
**7:35:31**
